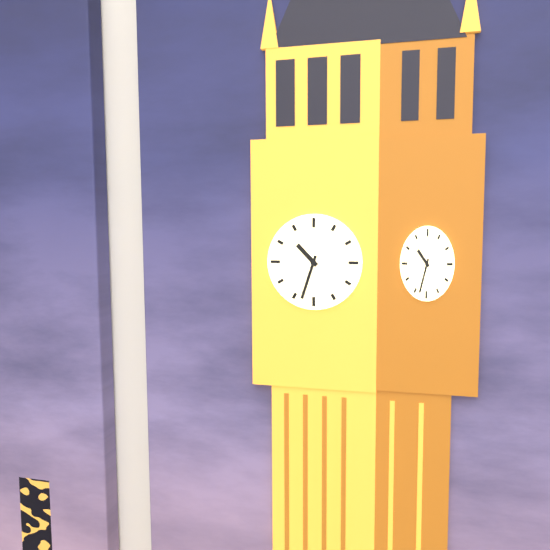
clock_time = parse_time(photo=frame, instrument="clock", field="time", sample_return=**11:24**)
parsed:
**10:33**
